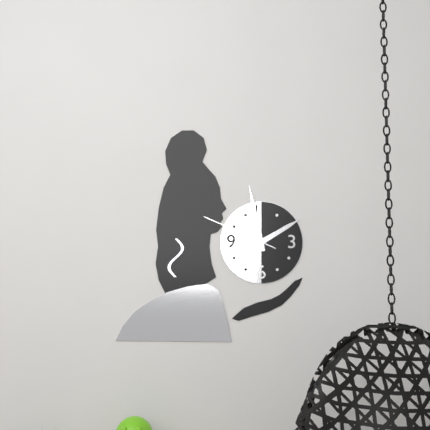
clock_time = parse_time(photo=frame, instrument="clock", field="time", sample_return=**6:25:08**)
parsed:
**1:58:49**
